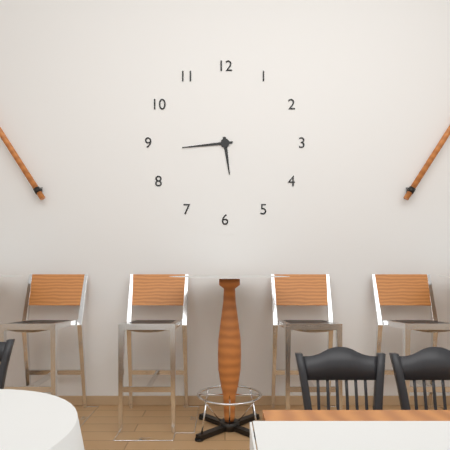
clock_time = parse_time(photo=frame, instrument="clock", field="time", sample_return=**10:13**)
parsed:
**5:44**
